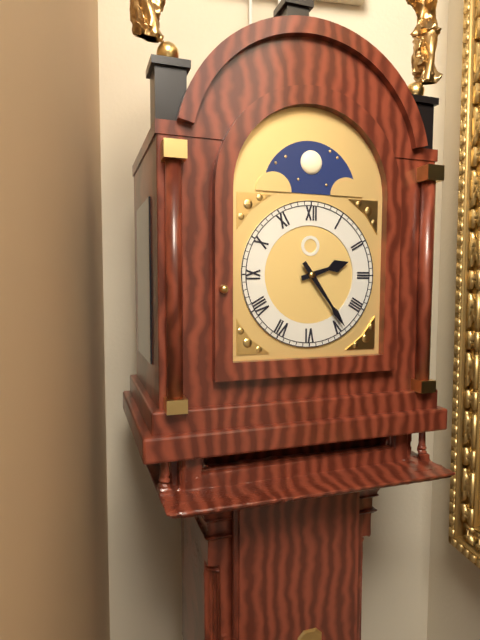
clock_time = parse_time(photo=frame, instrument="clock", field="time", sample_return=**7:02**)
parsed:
**2:24**
